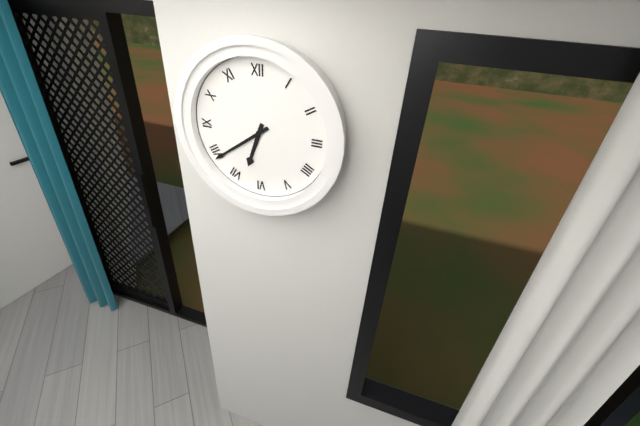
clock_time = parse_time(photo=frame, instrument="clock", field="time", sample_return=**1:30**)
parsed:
**6:39**
